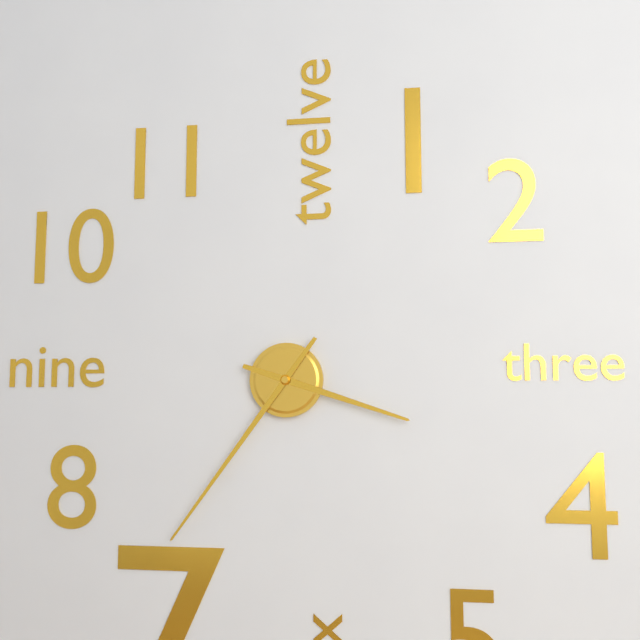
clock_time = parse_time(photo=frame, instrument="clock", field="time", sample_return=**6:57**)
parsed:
**3:36**
